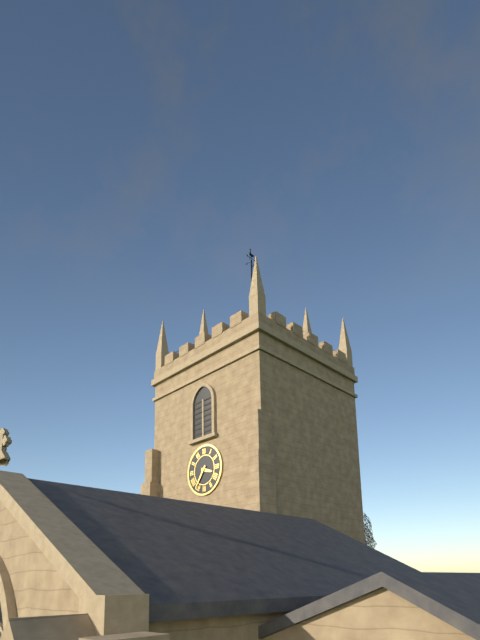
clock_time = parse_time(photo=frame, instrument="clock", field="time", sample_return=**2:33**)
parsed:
**3:36**
